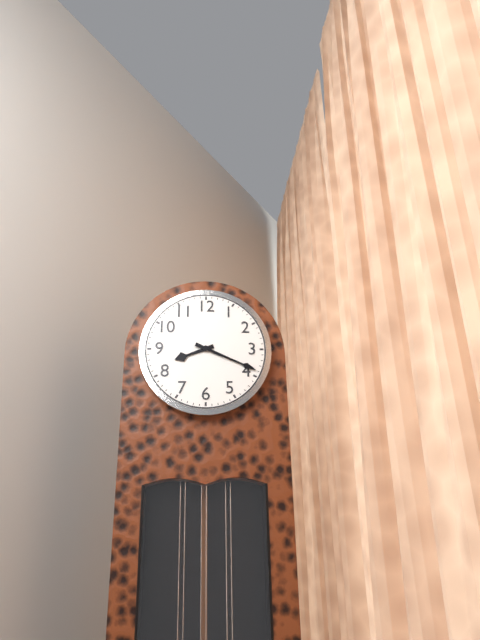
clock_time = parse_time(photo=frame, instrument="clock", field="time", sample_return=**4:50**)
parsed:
**8:19**
